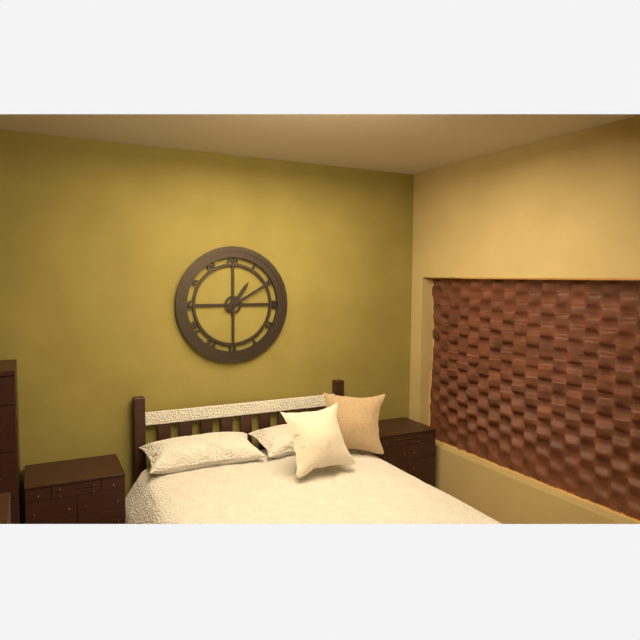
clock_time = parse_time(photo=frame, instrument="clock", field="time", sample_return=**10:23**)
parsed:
**1:10**
